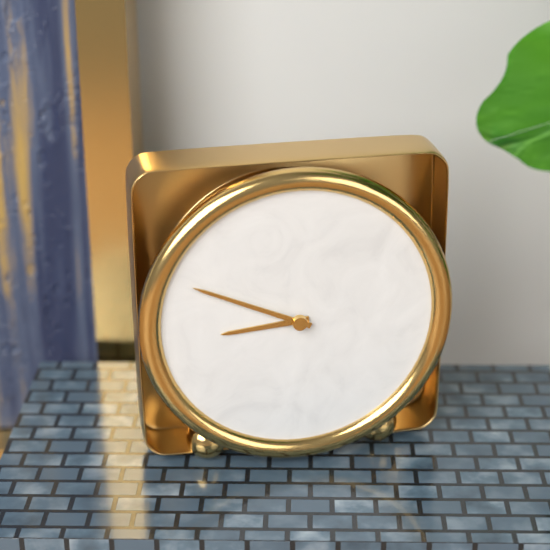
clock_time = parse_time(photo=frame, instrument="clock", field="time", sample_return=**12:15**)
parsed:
**8:49**
